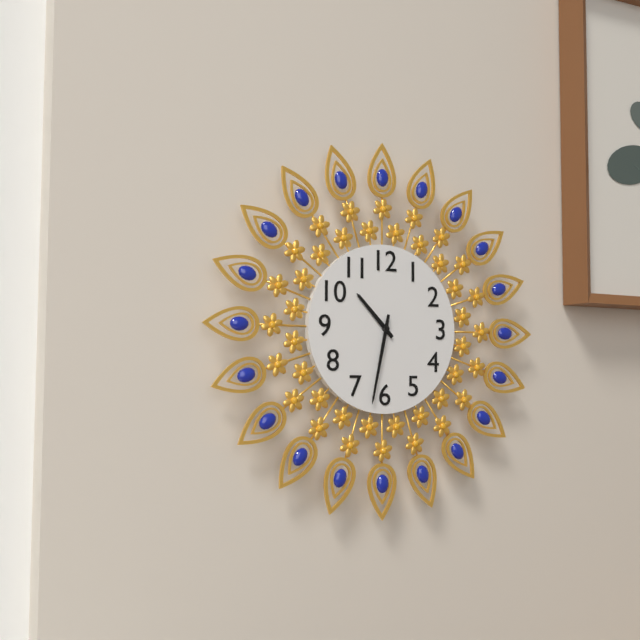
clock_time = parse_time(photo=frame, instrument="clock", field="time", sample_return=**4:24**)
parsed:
**10:32**
